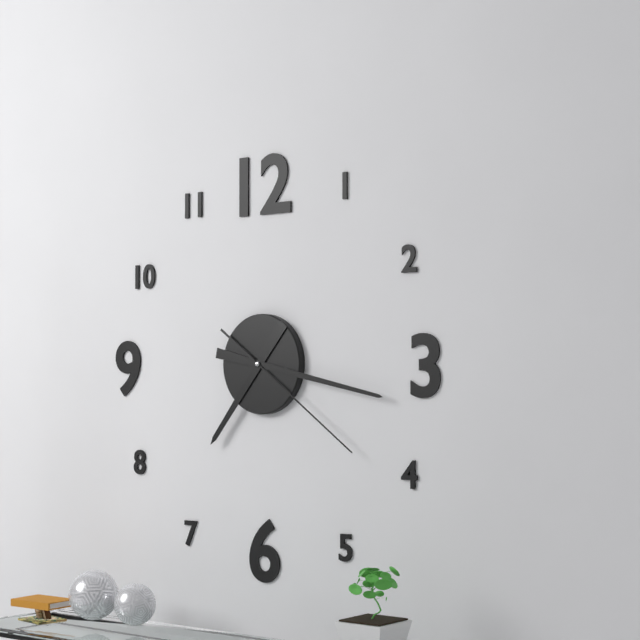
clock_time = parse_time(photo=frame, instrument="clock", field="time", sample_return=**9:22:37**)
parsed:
**7:17:21**
